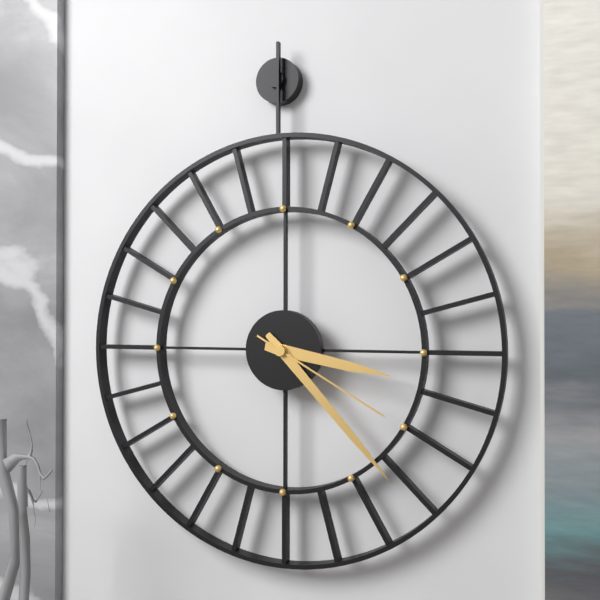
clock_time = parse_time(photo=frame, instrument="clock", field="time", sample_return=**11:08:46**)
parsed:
**3:23:20**
